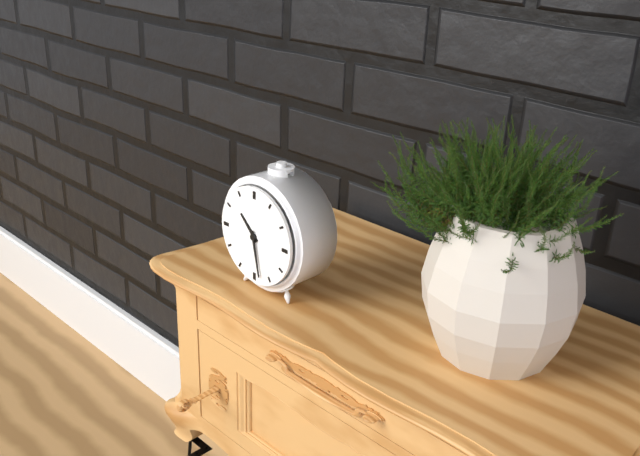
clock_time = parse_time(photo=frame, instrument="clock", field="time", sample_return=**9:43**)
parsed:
**10:28**
